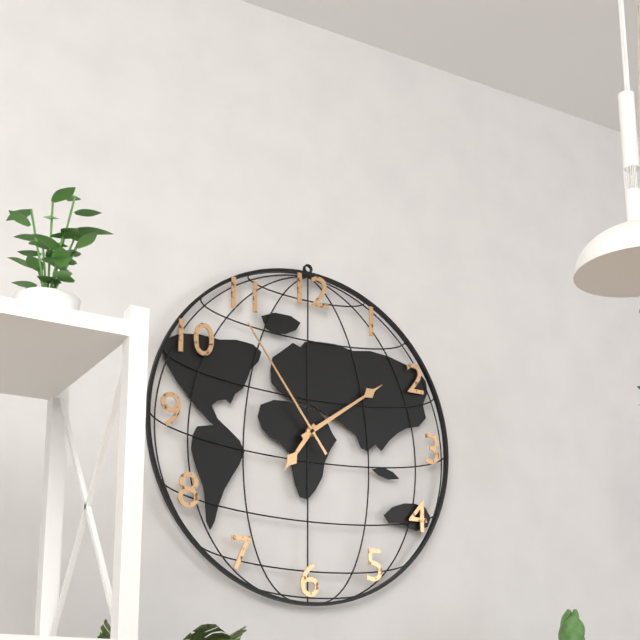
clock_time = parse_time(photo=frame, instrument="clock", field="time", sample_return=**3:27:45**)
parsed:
**7:09:54**
